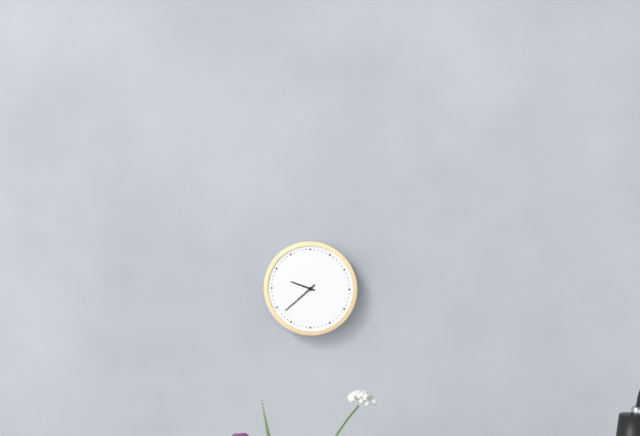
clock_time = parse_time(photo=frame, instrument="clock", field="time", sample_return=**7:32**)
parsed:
**9:38**
